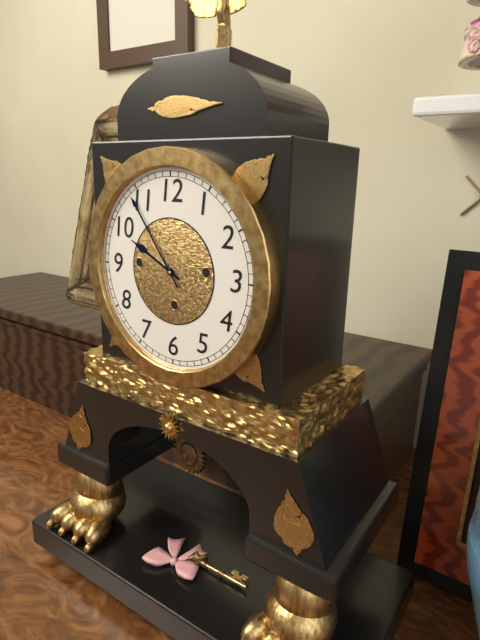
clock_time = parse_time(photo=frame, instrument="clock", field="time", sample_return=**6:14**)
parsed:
**9:54**
